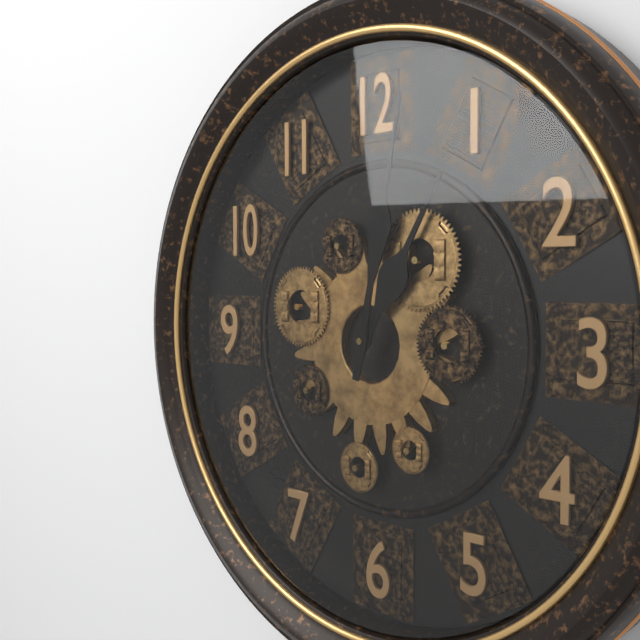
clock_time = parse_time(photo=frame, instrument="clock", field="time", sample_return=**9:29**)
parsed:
**1:02**
